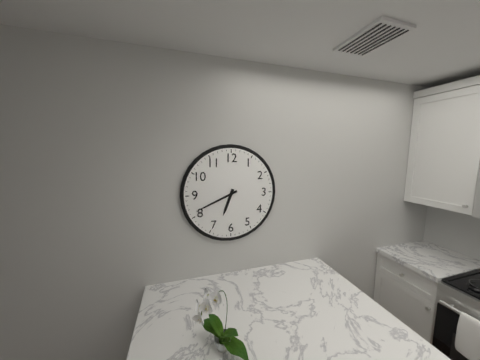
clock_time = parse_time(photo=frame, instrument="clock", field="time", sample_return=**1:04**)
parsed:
**6:41**
